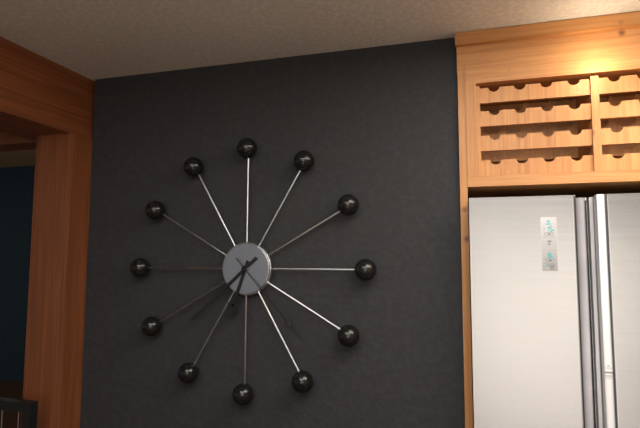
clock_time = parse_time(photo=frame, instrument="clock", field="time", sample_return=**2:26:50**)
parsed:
**6:38:23**
